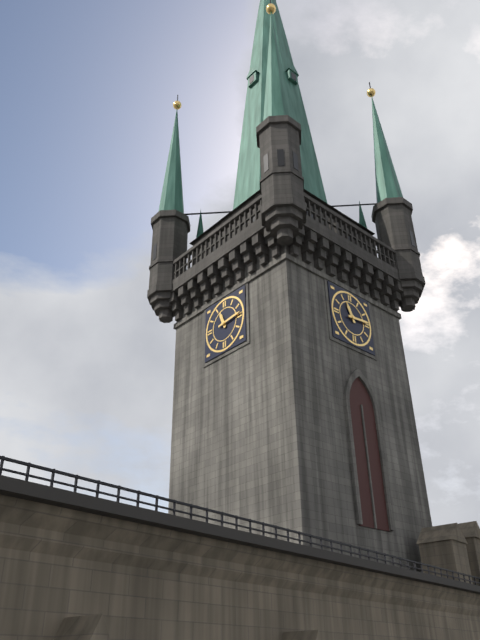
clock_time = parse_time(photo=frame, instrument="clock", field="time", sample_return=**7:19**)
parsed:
**11:14**
